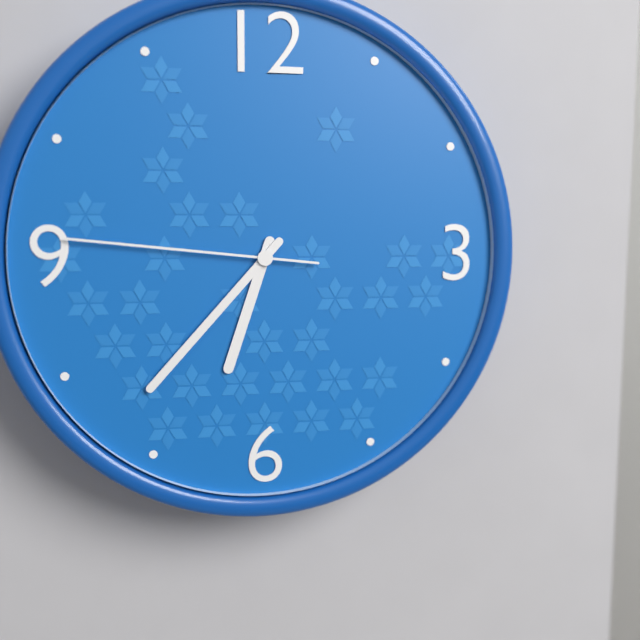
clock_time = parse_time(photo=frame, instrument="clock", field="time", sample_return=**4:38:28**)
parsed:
**6:37:46**
